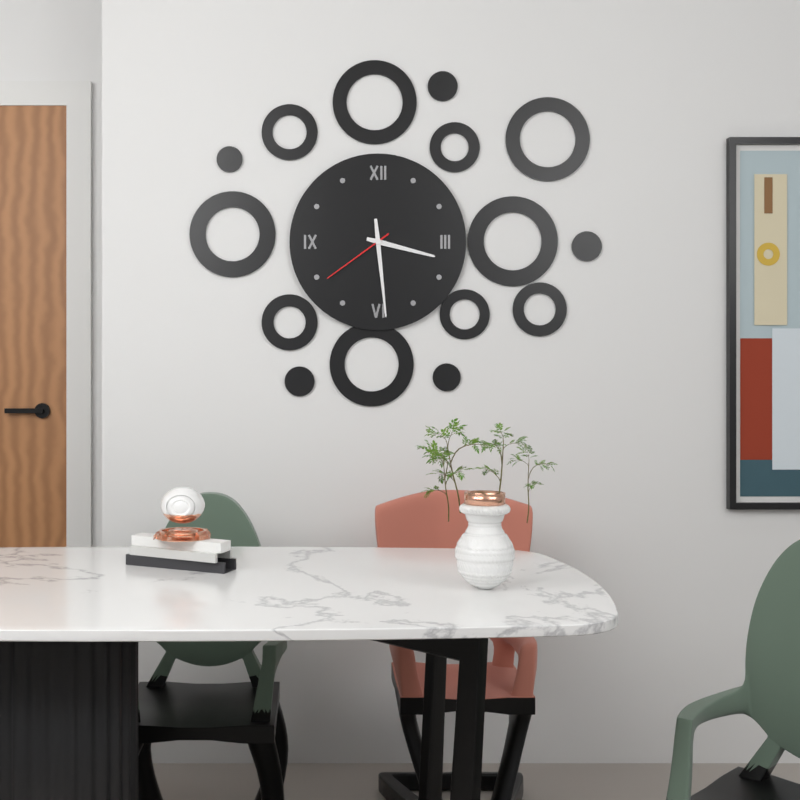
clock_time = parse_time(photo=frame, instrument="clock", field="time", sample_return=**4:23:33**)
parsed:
**3:29:39**
